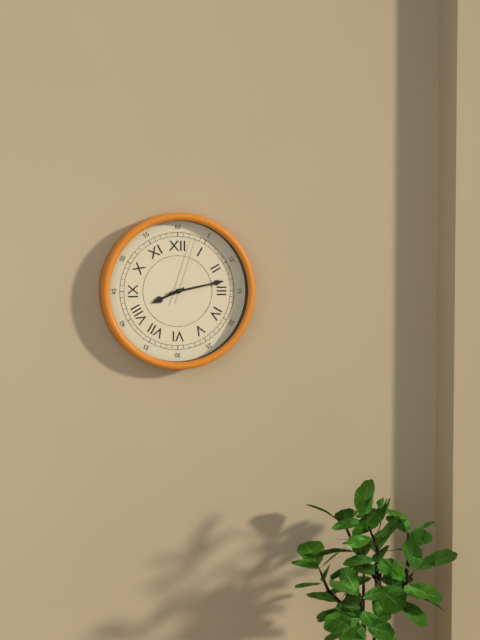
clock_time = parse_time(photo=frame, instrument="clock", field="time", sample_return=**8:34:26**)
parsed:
**8:13:03**
